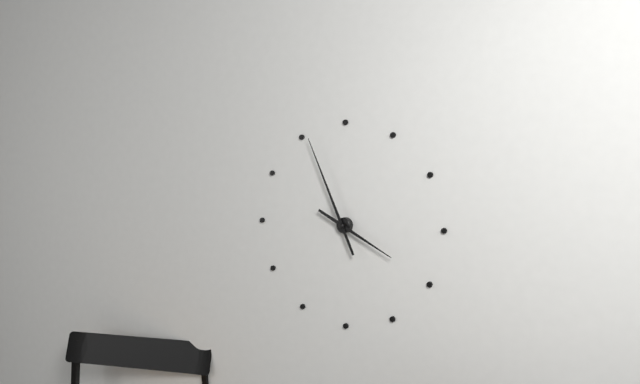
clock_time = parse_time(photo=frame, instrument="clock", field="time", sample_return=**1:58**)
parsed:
**3:56**
